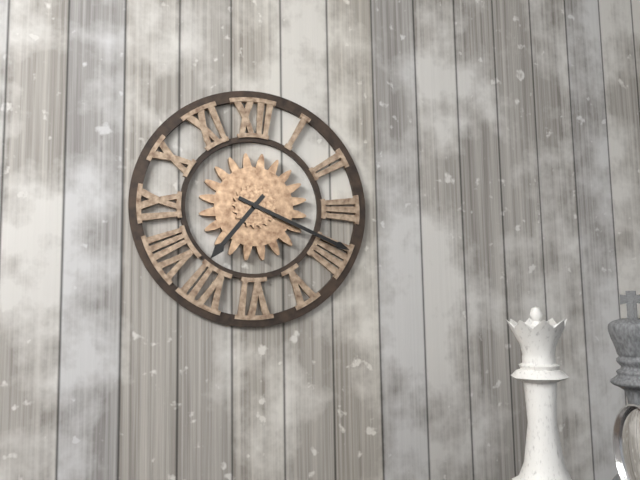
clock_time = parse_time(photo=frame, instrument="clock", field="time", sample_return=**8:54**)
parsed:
**7:19**
